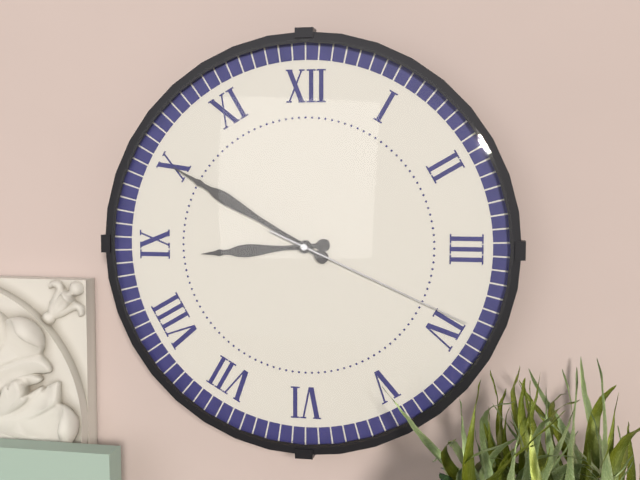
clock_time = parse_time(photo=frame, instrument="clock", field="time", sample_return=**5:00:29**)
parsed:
**8:50:19**
